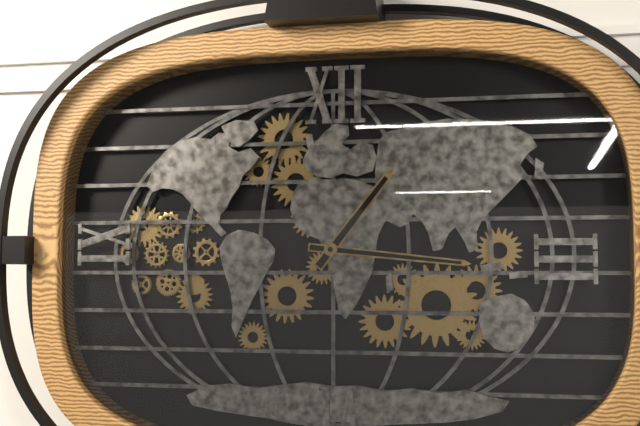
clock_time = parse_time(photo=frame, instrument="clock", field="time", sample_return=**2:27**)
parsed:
**1:16**
